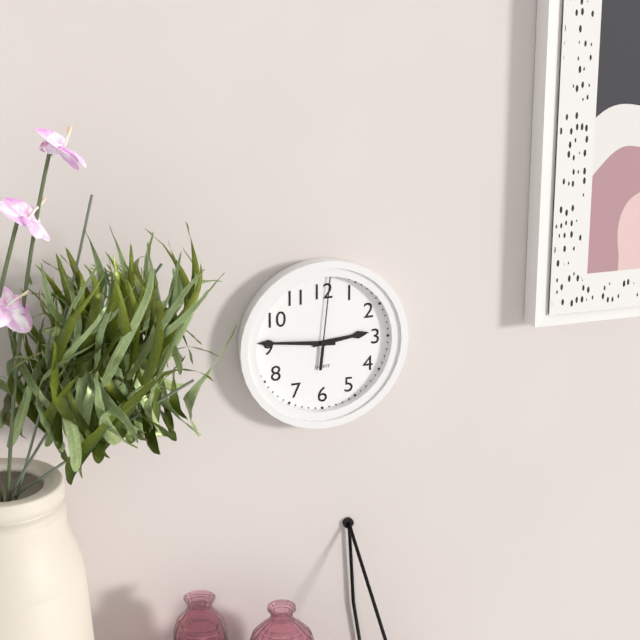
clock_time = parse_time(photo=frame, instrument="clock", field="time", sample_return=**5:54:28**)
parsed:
**2:46:01**
